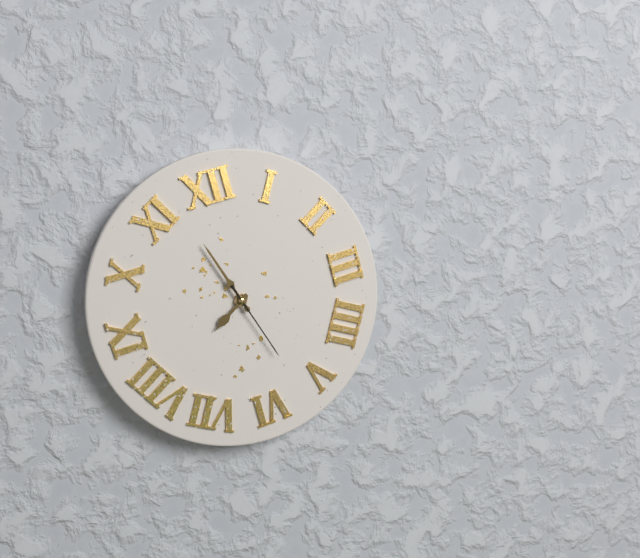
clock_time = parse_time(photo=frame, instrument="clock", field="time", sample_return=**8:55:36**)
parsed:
**7:57:27**
